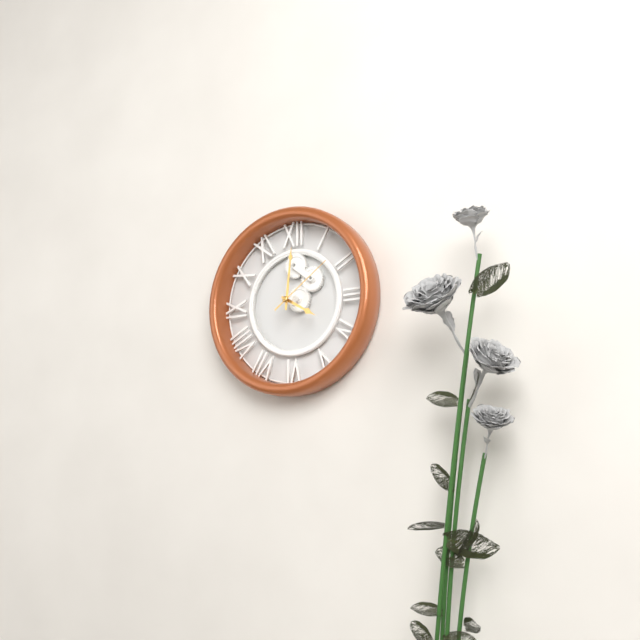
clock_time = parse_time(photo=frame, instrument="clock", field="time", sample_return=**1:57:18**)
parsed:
**4:01:09**
